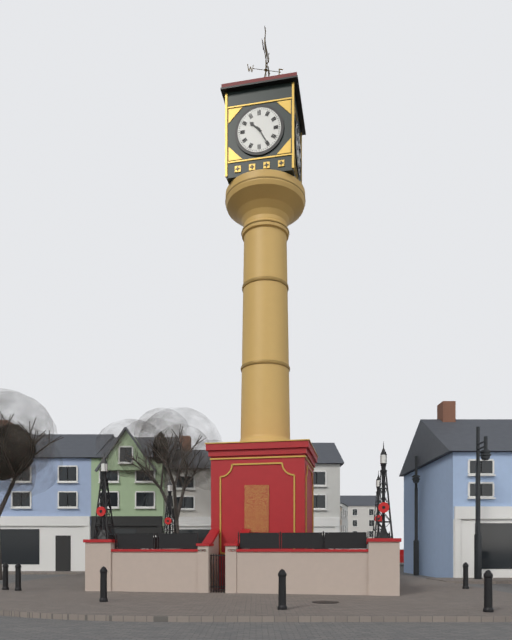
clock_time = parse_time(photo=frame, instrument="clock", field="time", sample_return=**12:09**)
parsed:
**10:25**
